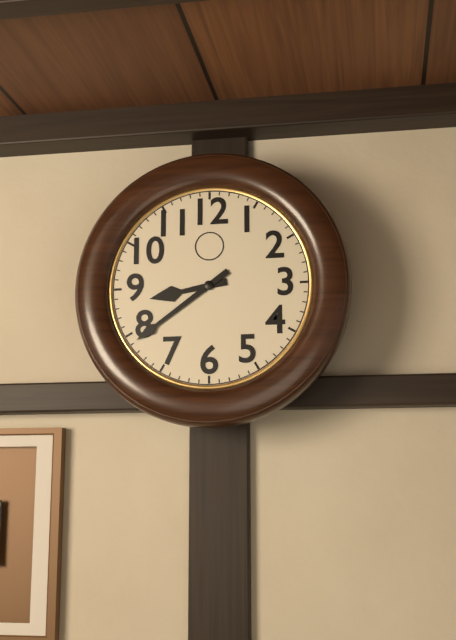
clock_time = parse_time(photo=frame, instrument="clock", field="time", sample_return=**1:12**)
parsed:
**8:39**
